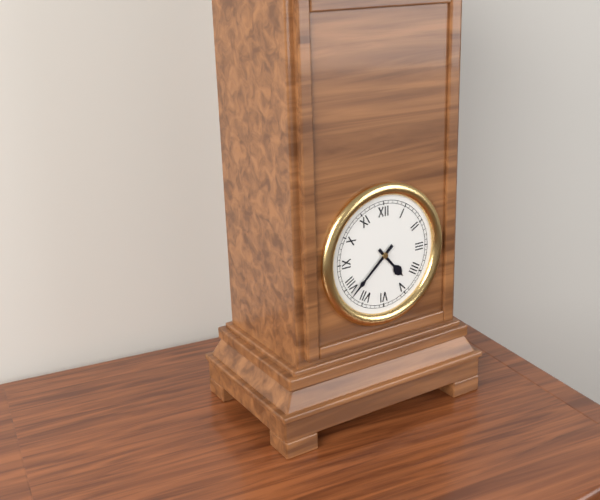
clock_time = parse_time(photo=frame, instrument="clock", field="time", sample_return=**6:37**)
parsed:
**4:38**
